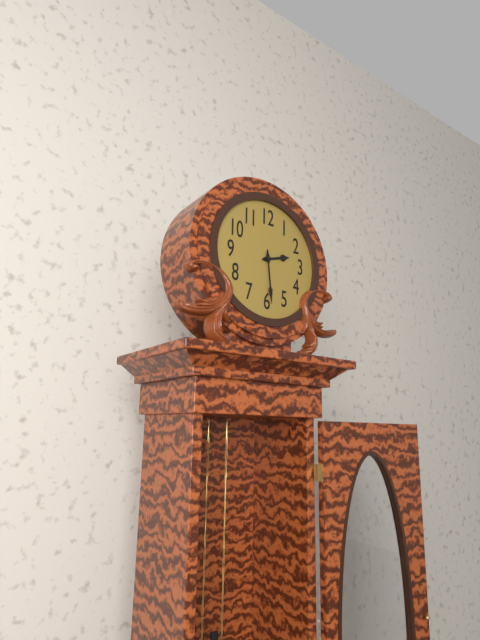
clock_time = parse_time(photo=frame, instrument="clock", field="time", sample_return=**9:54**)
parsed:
**2:29**
